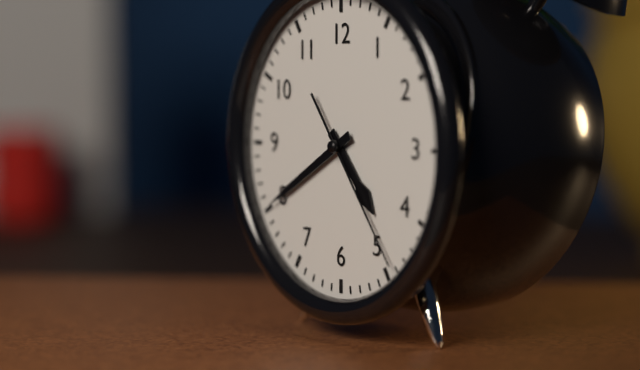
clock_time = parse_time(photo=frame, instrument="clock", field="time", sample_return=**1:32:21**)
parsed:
**4:40:24**
